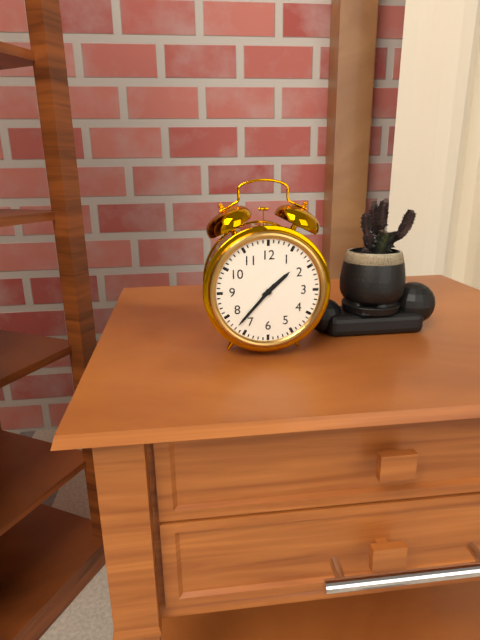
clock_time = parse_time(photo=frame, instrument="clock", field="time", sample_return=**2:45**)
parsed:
**1:37**
